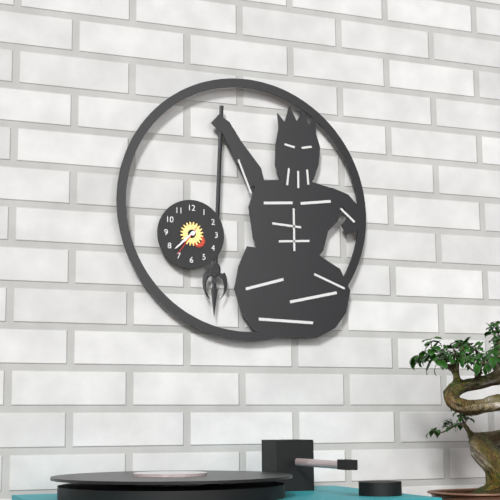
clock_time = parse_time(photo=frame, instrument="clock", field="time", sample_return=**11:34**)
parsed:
**7:38**
